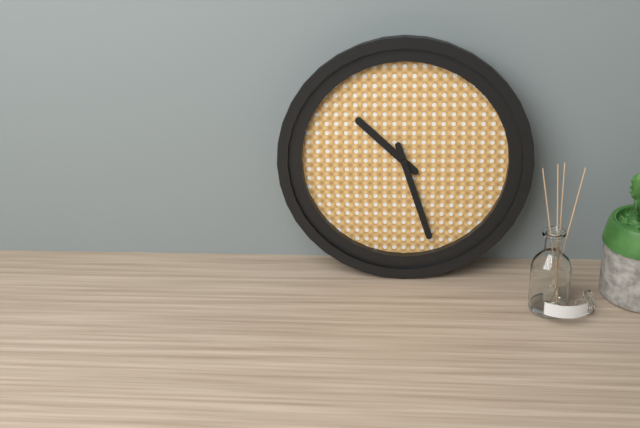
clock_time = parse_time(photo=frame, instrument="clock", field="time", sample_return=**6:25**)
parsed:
**10:27**
